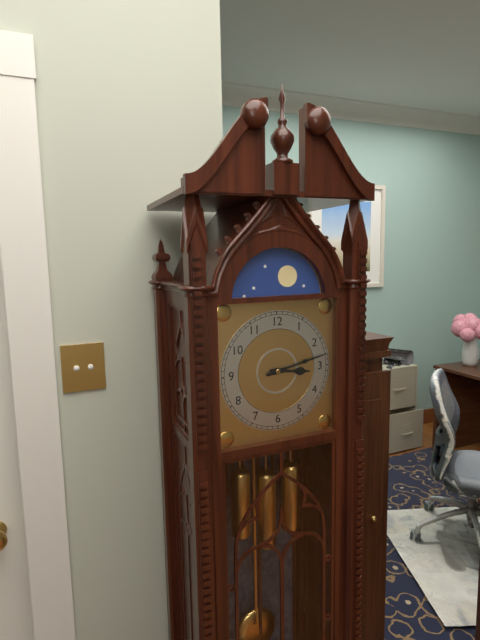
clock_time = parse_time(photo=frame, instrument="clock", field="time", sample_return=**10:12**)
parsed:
**3:13**
